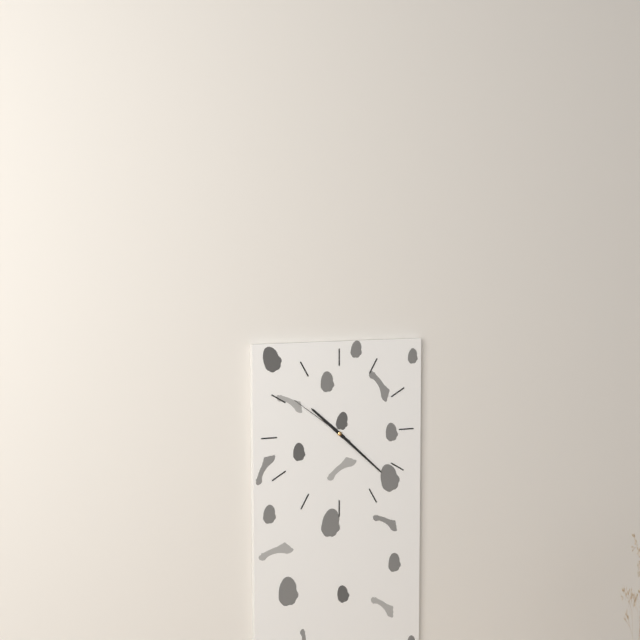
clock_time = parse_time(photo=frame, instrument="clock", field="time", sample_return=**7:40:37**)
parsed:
**10:22:51**
